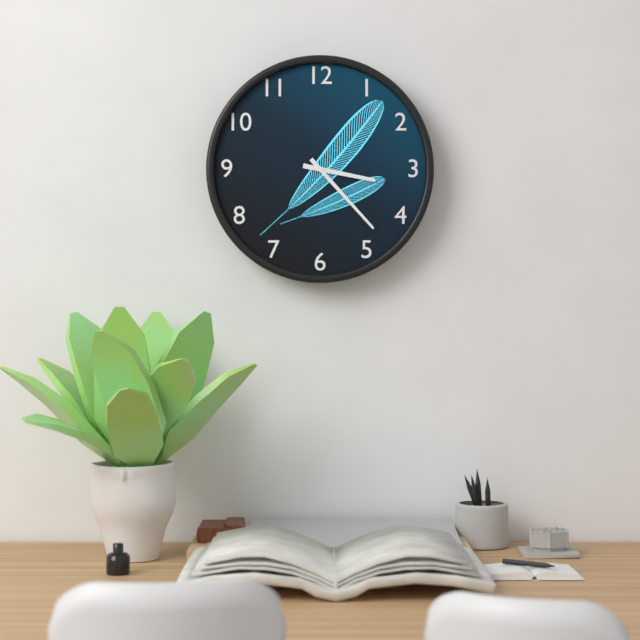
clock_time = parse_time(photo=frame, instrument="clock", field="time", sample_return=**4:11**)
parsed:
**3:23**
